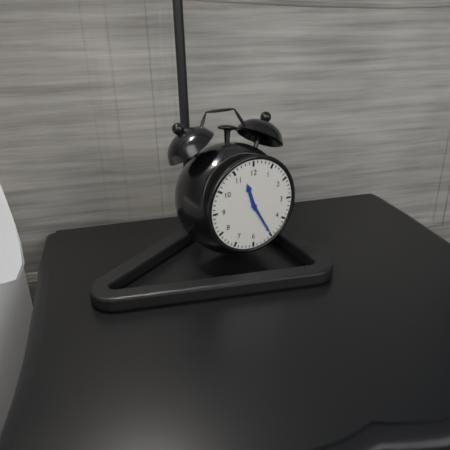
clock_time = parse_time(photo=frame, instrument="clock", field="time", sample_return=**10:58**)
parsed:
**11:25**
